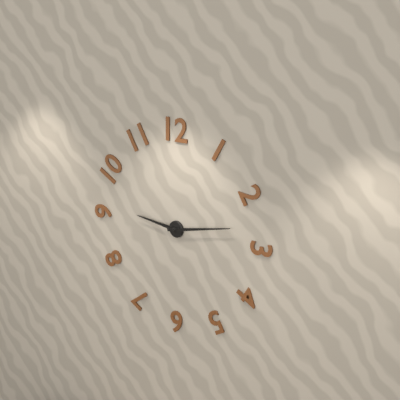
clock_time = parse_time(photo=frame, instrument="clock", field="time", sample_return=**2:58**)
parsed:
**9:13**
